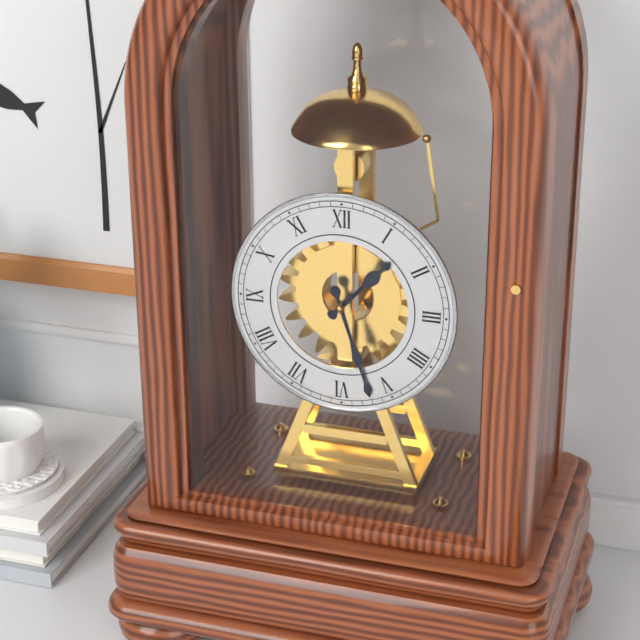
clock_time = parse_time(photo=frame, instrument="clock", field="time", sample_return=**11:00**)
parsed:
**1:27**
